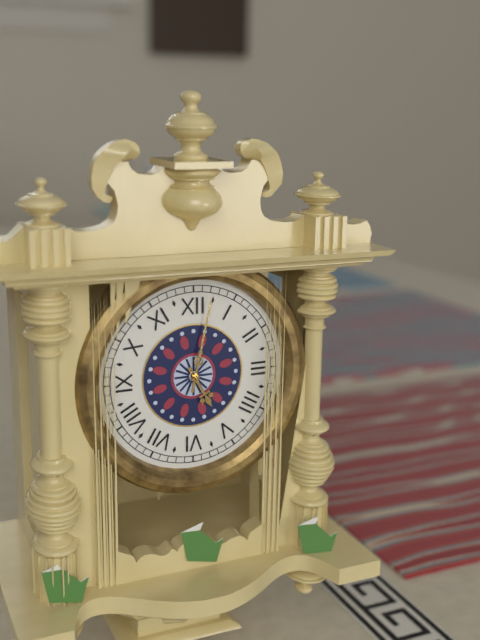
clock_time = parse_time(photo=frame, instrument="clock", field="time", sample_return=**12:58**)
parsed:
**5:02**
